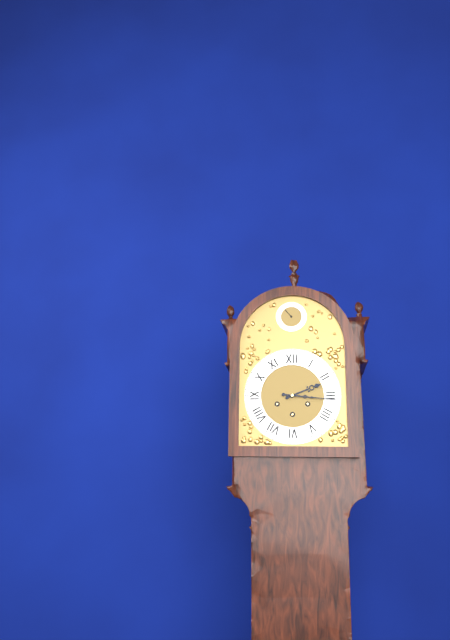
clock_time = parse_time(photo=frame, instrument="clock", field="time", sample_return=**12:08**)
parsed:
**2:16**
